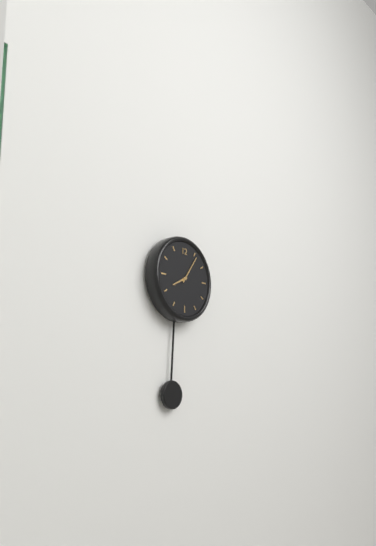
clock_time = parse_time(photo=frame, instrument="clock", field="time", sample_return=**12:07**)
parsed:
**8:06**
